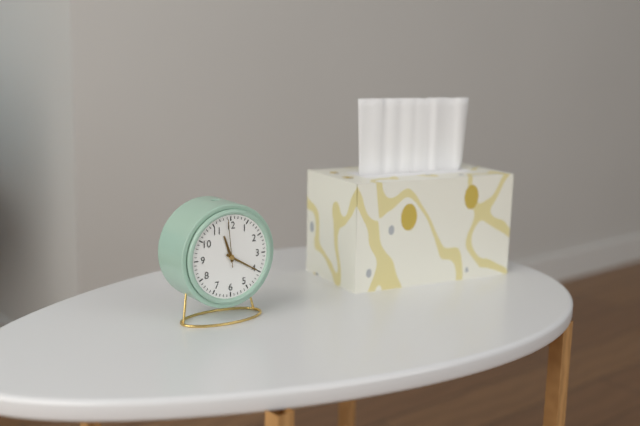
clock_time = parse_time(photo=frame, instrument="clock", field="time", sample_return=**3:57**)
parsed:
**11:20**
